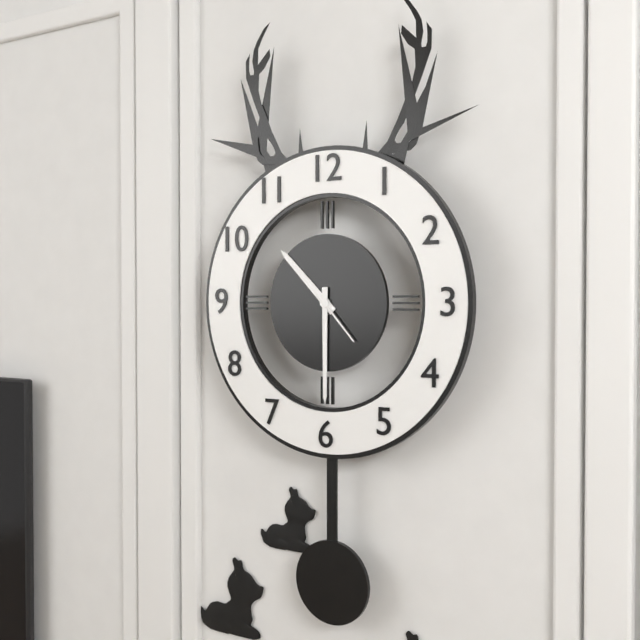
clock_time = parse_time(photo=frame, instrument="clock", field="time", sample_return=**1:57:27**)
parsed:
**10:30:23**
